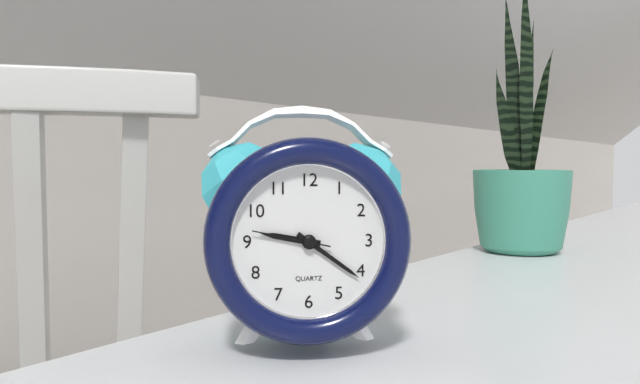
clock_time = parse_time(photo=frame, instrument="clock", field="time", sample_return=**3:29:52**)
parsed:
**9:21:47**
